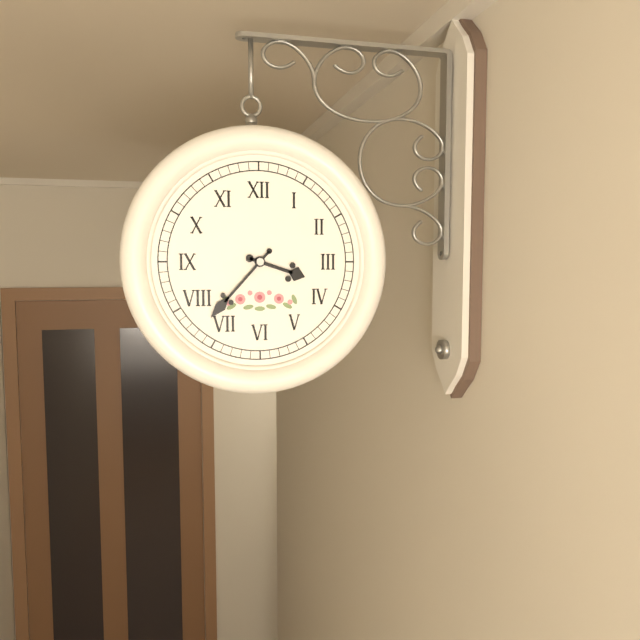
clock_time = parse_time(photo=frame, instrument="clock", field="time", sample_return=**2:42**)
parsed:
**3:37**
